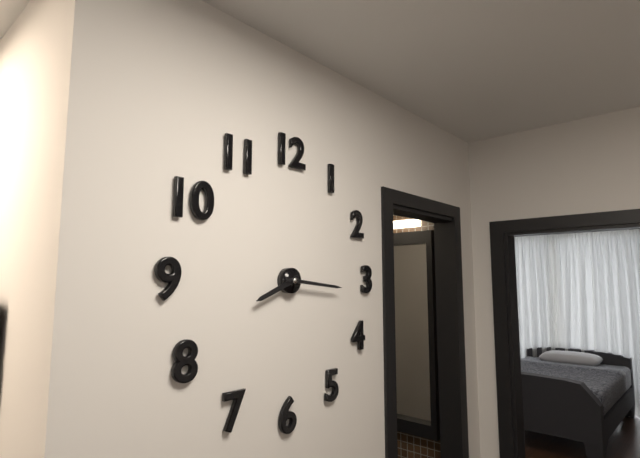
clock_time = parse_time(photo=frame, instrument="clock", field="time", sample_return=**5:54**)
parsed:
**8:16**
